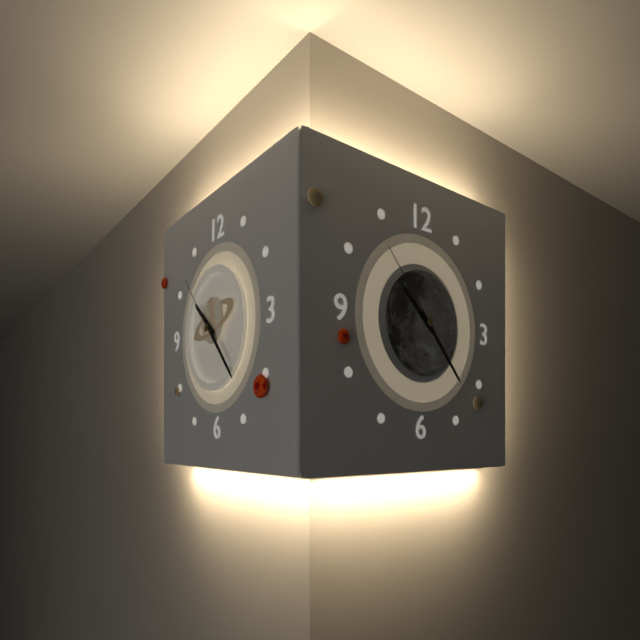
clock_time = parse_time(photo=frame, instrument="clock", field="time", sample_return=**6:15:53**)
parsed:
**10:23:53**
